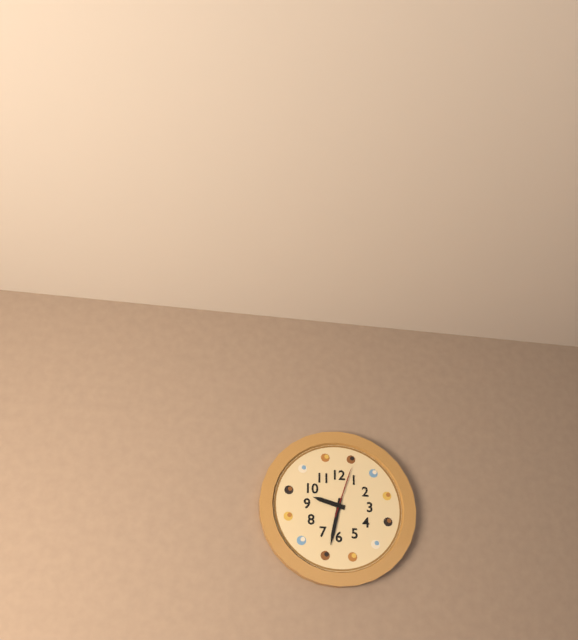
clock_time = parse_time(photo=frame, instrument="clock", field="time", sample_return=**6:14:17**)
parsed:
**9:32:03**
